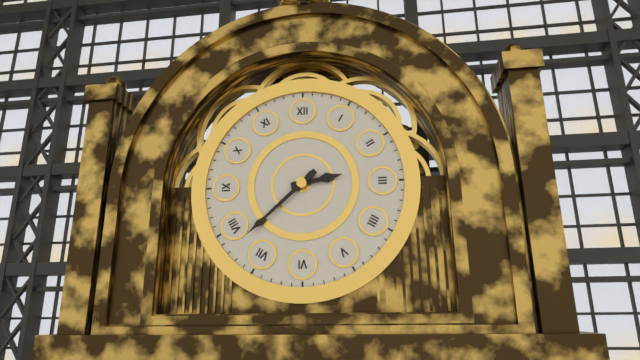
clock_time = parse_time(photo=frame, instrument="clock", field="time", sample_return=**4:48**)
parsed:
**2:38**
